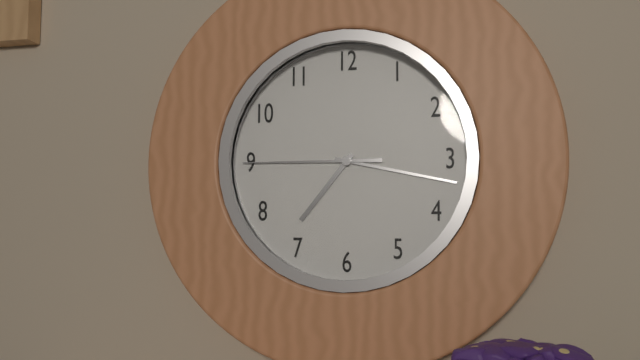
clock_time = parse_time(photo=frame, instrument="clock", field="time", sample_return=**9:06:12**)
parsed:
**7:17:45**
